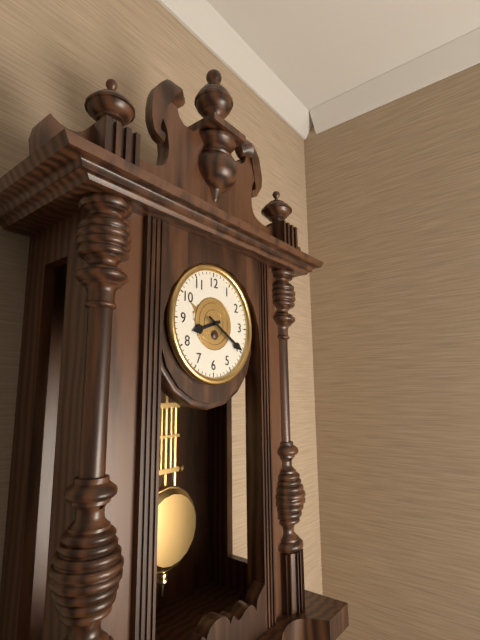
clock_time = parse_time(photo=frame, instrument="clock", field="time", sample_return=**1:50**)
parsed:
**8:20**
